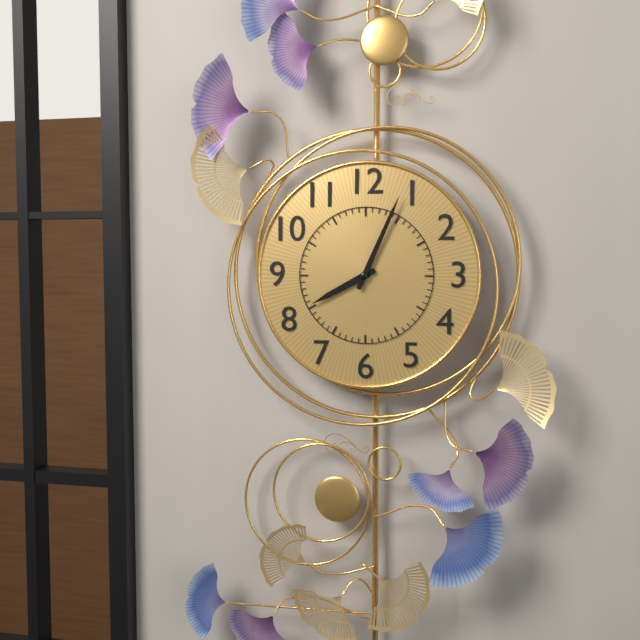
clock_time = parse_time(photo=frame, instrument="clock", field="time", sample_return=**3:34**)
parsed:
**8:04**
